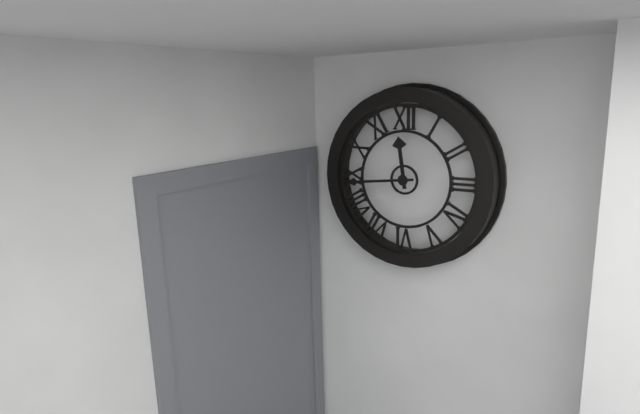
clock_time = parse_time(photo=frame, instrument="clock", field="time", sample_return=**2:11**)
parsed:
**11:44**
